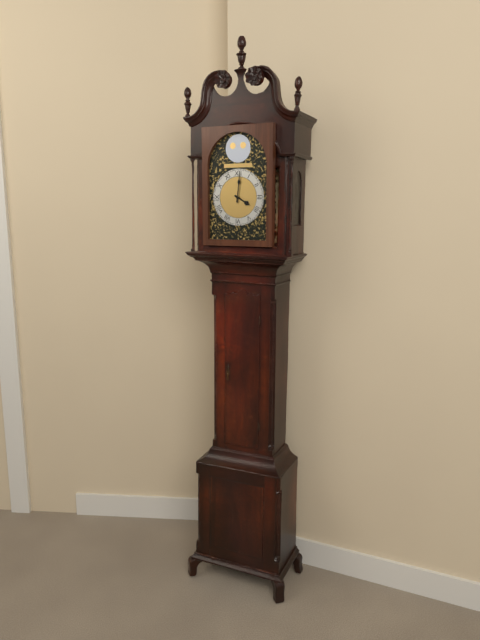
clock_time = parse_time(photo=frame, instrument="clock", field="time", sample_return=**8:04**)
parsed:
**4:01**
